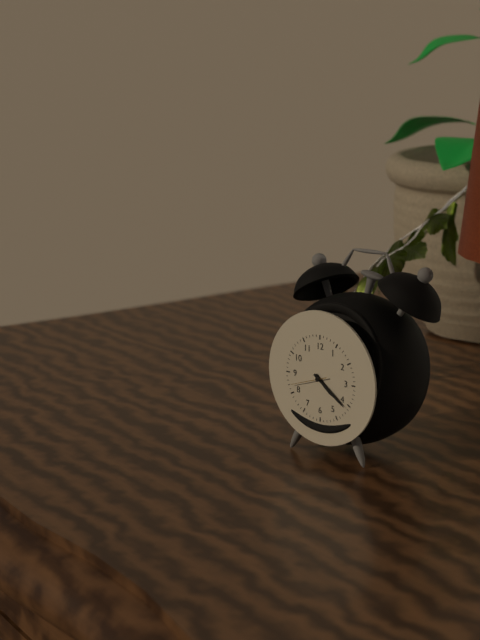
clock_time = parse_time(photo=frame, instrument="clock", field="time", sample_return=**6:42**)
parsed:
**4:21**
